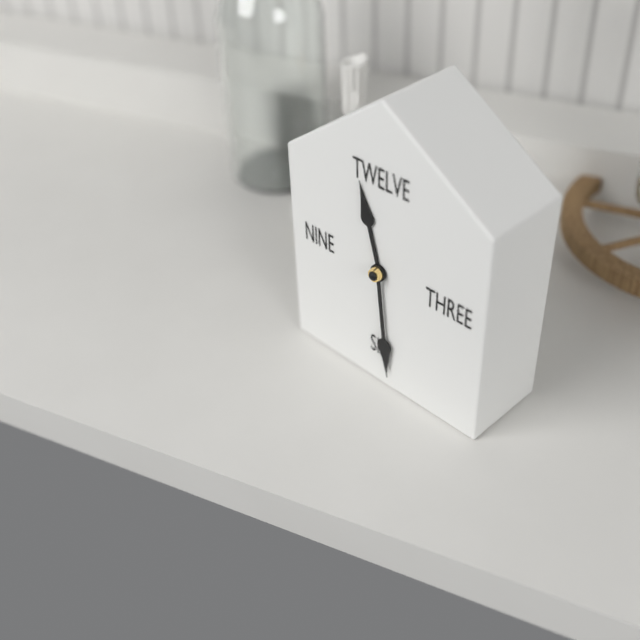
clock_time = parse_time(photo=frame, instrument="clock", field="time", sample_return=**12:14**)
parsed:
**11:29**
